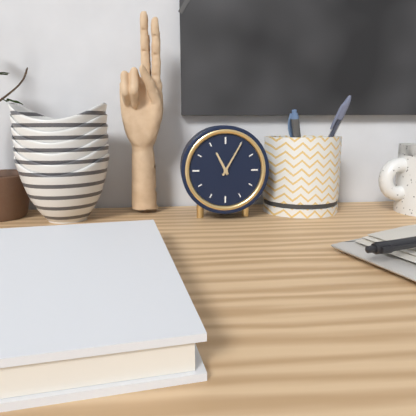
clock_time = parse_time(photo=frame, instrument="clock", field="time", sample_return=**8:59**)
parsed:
**11:05**
